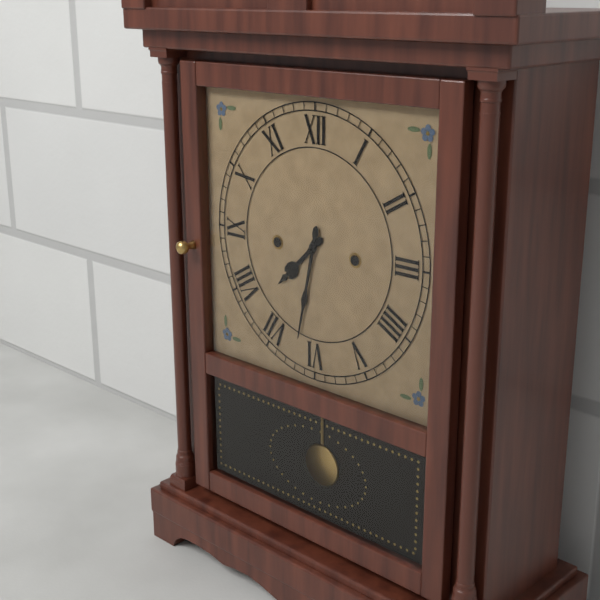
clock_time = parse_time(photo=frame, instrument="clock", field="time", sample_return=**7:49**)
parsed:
**7:32**
